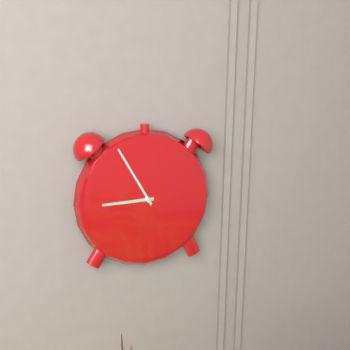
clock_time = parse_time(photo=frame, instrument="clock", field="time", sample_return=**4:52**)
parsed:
**8:55**
